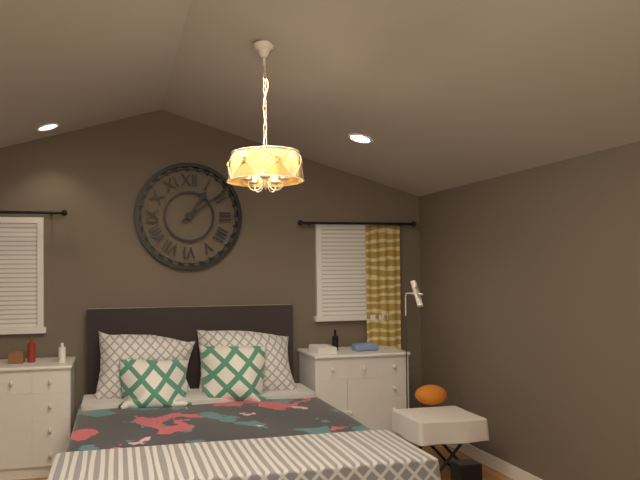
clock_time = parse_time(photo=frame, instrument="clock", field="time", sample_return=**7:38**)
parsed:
**1:09**
